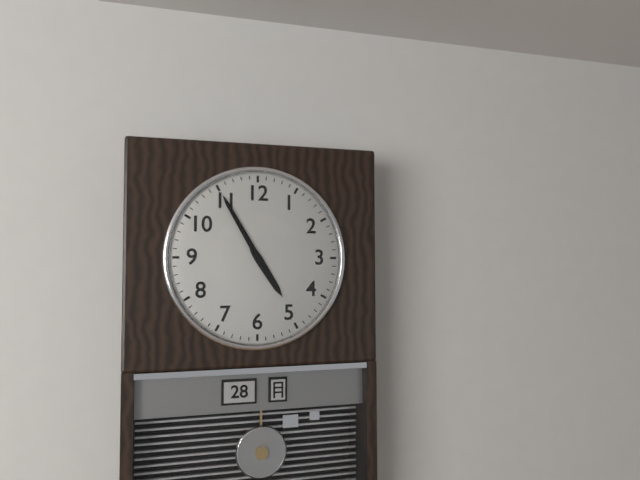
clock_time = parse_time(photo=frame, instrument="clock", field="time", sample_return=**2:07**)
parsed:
**4:55**
